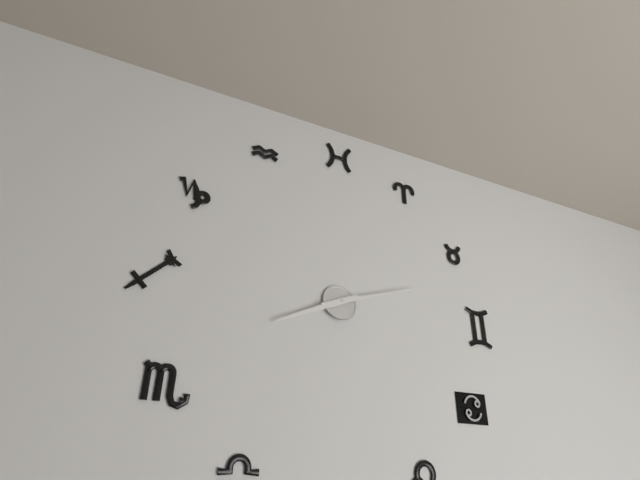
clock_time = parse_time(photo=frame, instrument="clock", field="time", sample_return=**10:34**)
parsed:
**8:12**
